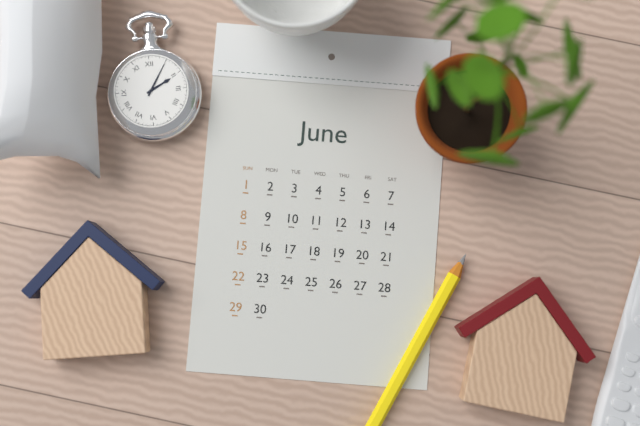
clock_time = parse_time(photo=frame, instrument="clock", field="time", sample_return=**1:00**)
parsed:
**2:05**
